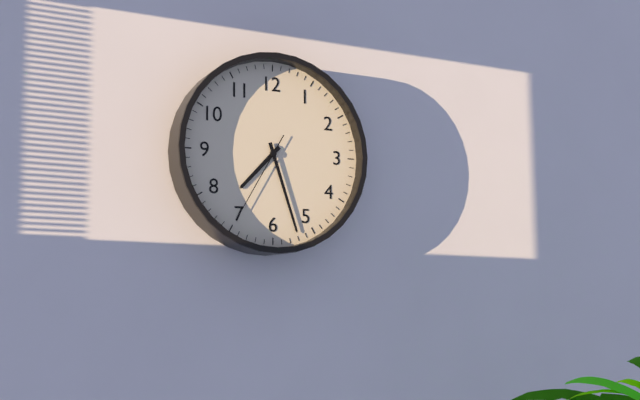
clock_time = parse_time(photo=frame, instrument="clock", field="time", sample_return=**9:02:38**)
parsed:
**7:27:35**
